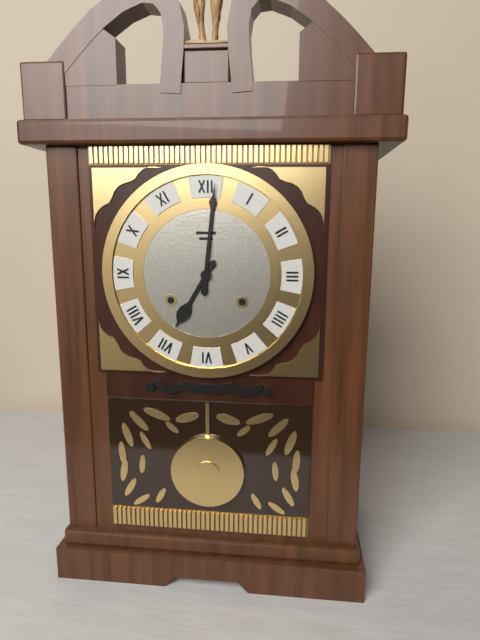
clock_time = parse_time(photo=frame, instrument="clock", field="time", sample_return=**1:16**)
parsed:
**7:01**
